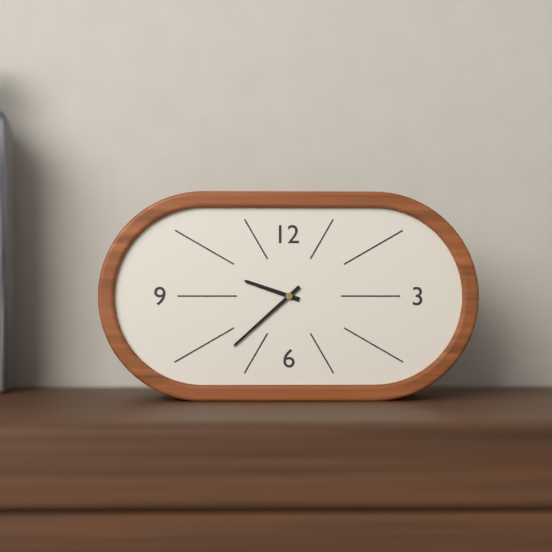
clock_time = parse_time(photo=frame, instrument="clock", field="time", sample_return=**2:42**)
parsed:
**9:38**
